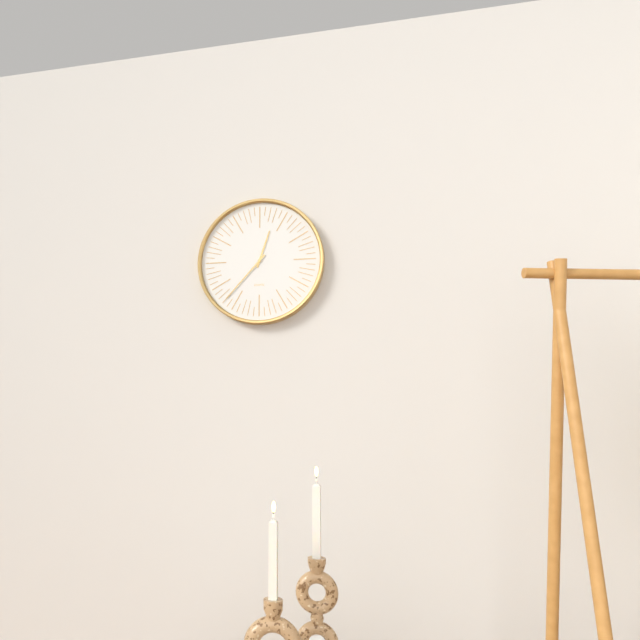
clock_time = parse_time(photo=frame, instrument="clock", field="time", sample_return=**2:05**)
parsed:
**12:37**
